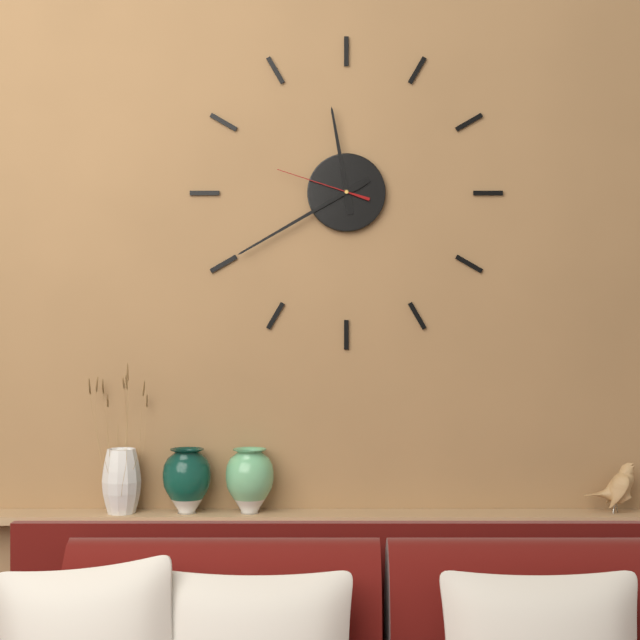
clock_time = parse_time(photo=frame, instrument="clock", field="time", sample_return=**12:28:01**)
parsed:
**11:40:48**
